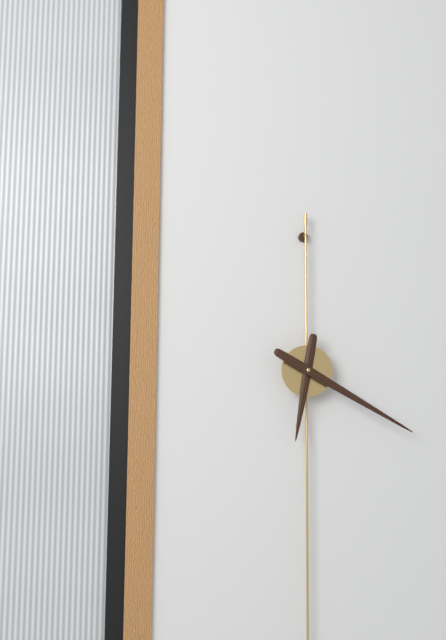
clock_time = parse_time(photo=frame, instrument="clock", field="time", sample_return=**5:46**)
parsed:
**6:20**
